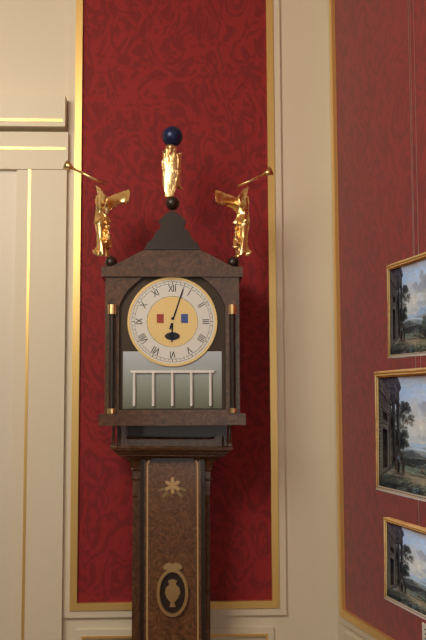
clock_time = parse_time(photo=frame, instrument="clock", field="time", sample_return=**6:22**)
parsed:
**6:03**
